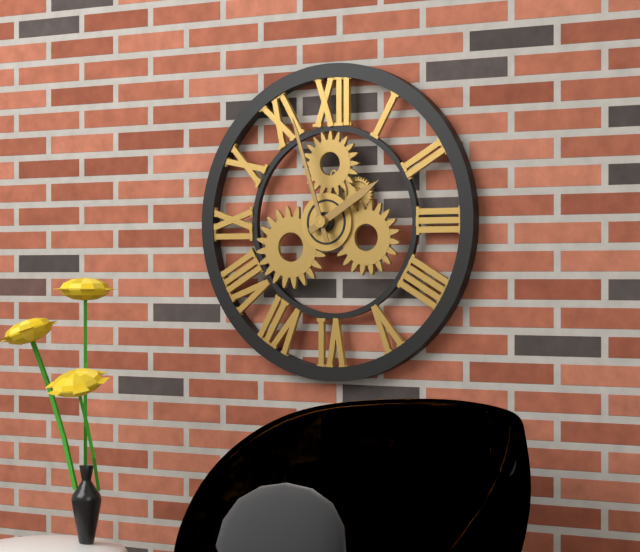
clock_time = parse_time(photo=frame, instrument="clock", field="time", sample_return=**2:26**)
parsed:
**1:57**
